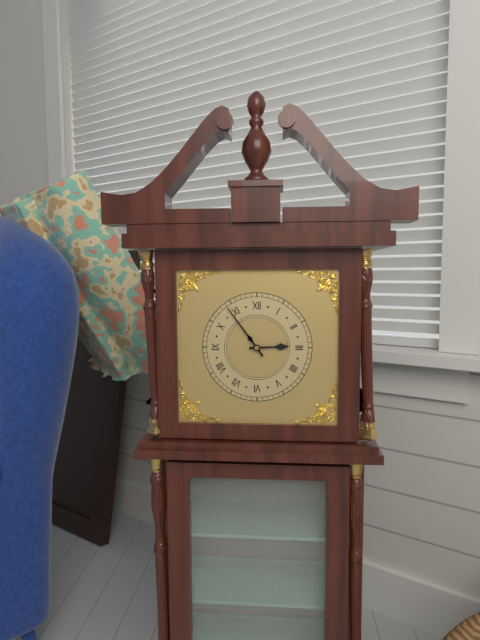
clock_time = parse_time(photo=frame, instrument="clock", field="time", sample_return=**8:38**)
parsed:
**2:54**
